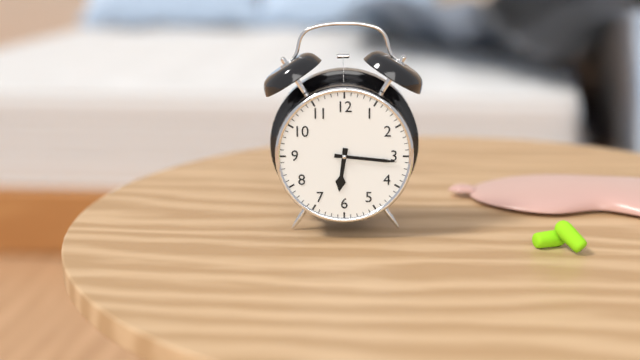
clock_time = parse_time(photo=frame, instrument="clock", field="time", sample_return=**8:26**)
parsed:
**6:16**
